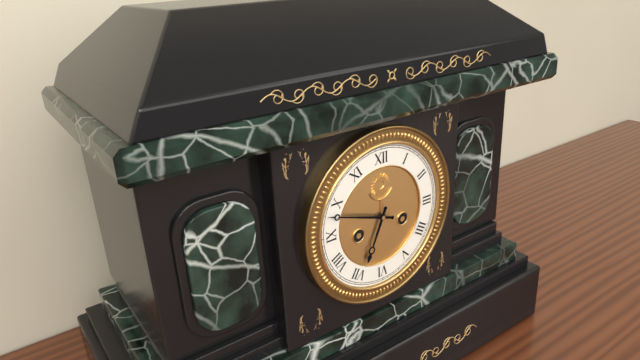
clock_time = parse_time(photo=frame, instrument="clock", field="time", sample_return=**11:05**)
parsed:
**6:48**
